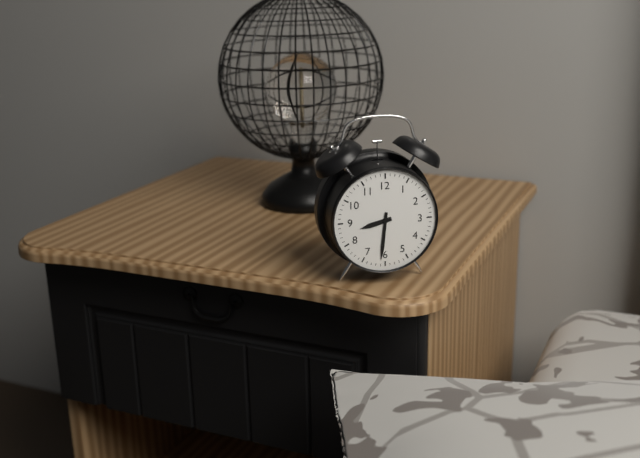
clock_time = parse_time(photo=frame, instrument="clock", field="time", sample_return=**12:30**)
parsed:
**8:31**
